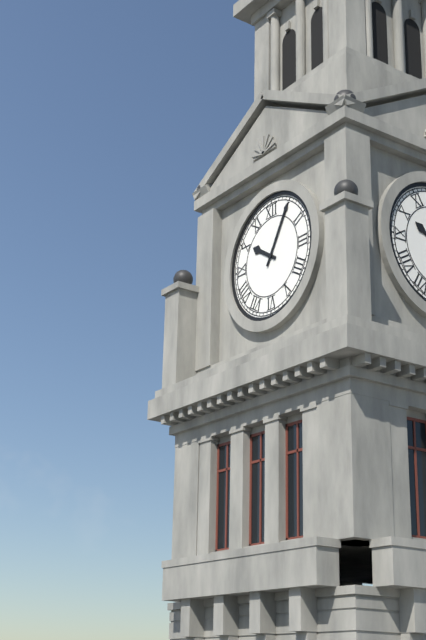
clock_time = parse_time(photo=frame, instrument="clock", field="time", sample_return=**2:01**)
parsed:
**10:05**
